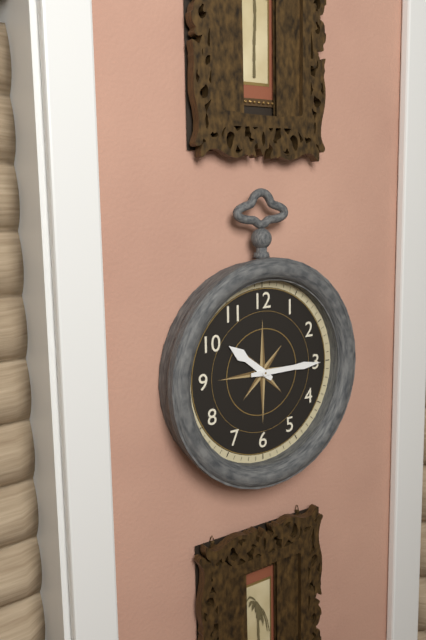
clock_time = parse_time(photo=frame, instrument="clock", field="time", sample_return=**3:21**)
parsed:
**10:15**
